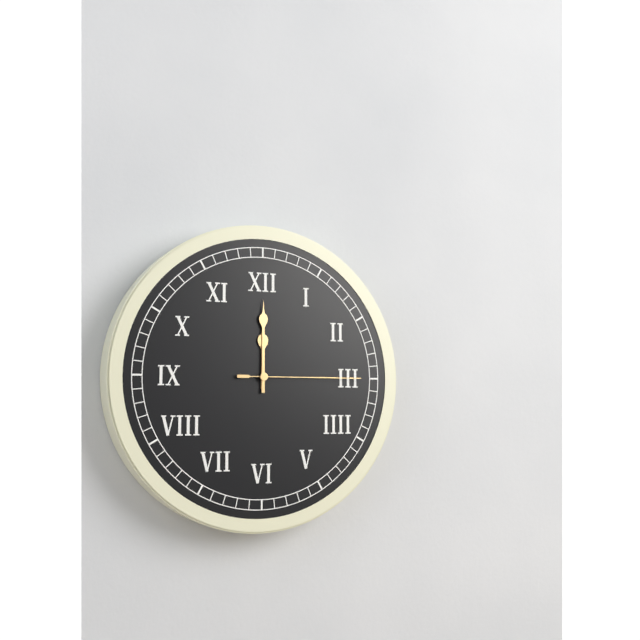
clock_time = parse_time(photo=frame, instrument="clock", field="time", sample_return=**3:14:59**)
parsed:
**12:00:15**
